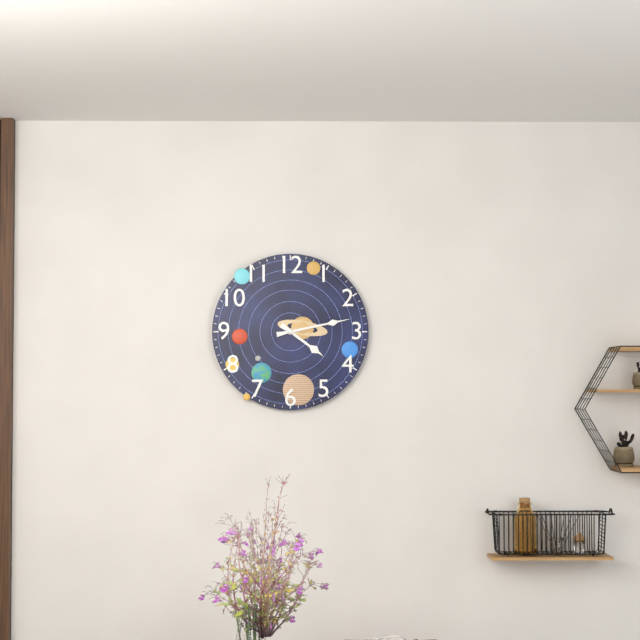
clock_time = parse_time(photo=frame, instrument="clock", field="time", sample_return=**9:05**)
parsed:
**4:13**
